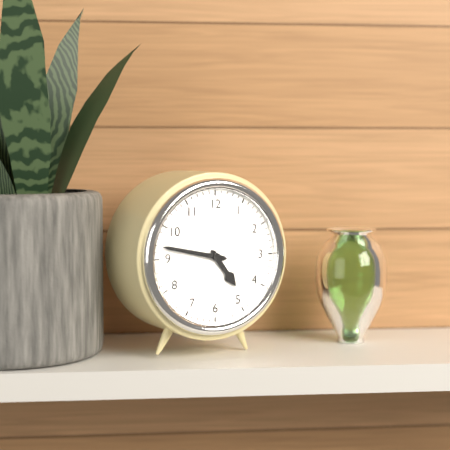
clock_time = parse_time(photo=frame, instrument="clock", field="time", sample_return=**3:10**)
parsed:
**4:47**
